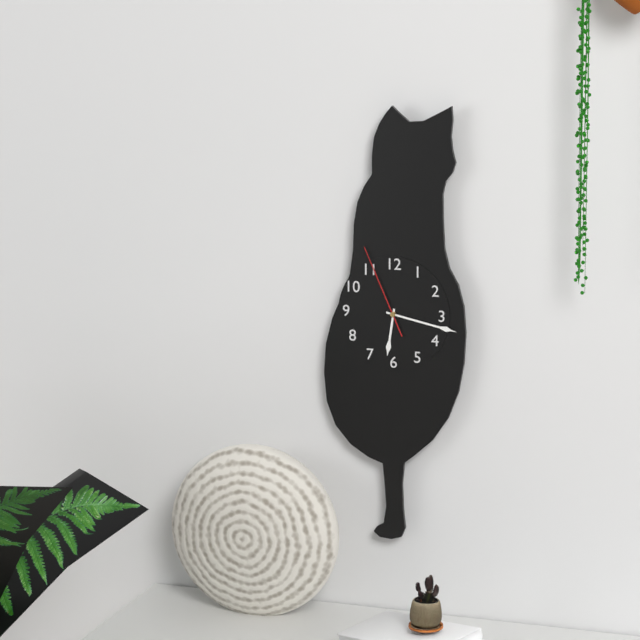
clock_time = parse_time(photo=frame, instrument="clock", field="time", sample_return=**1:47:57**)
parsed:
**6:17:56**
